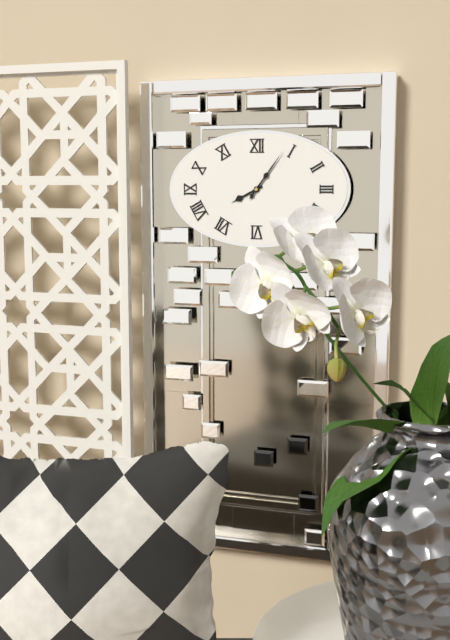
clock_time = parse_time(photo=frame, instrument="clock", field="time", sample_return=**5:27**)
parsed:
**8:06**
